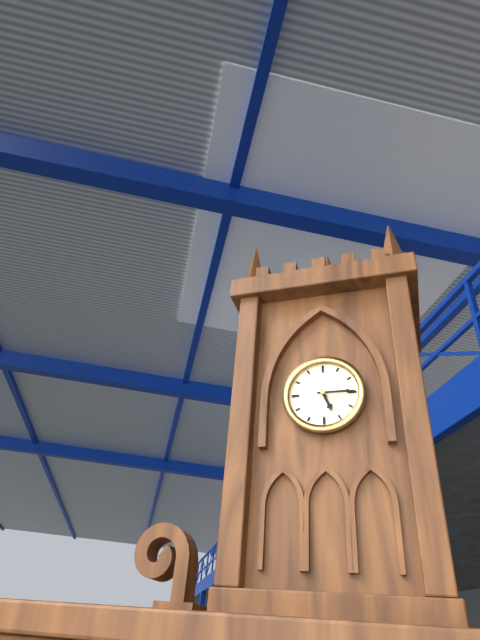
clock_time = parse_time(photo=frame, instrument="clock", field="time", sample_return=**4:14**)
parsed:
**5:15**
